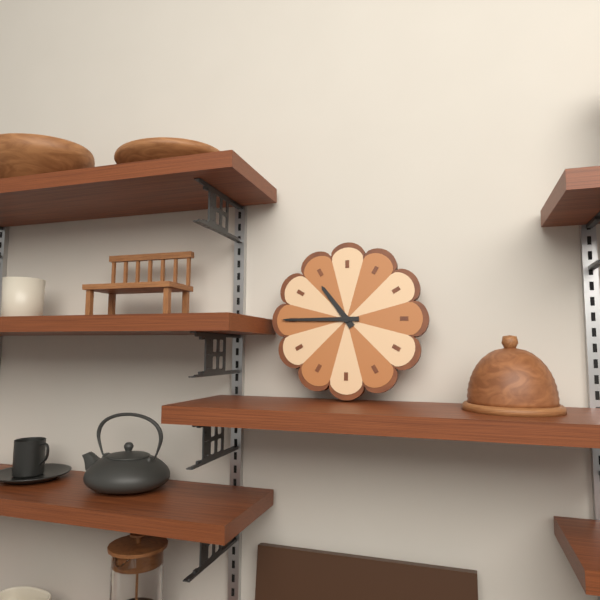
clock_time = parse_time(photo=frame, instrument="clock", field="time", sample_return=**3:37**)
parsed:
**10:45**
